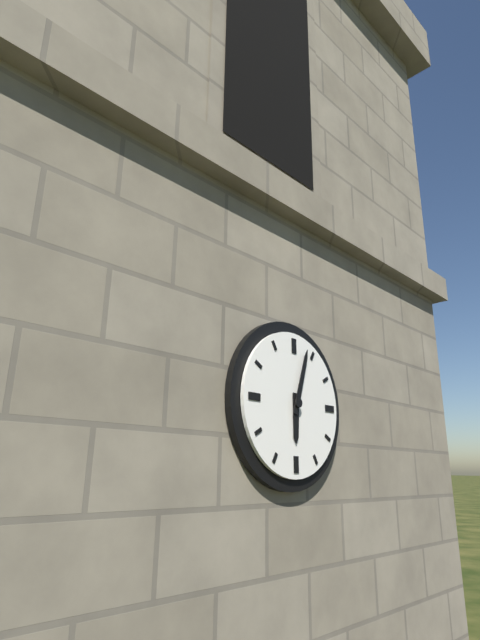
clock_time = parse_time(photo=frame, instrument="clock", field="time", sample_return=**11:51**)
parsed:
**6:03**
